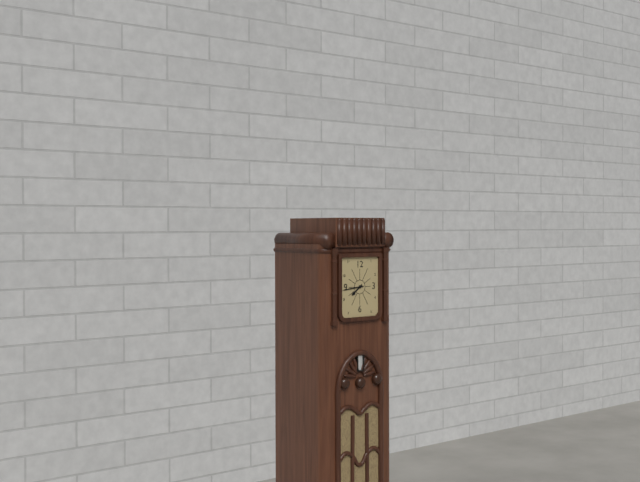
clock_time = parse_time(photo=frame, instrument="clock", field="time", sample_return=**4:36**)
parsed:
**7:44**
